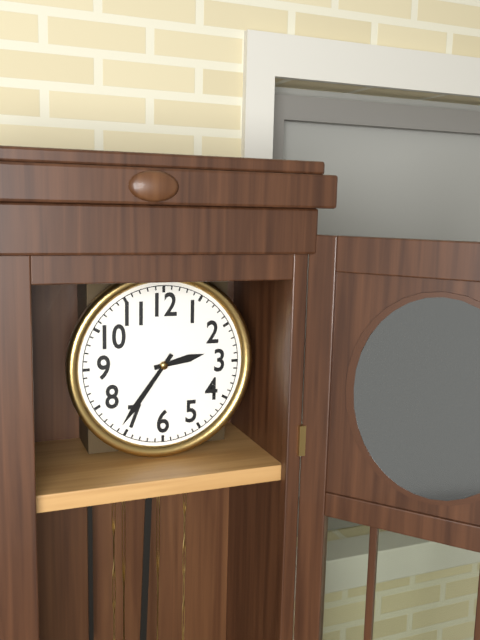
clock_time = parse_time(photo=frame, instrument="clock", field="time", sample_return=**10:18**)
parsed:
**2:36**
